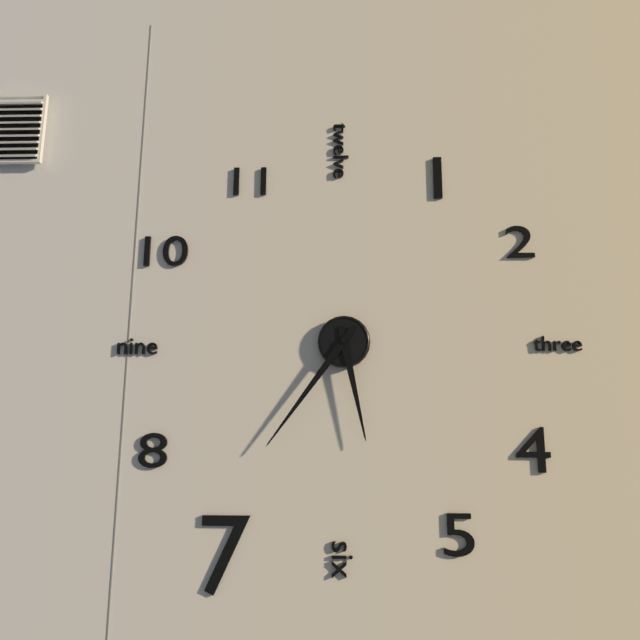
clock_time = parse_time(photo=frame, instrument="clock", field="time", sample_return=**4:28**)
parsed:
**5:36**
